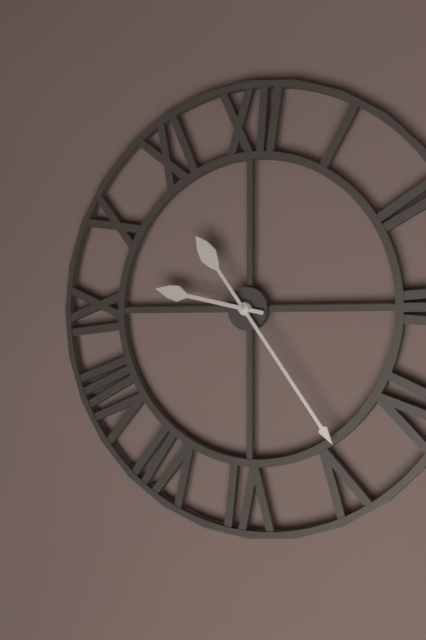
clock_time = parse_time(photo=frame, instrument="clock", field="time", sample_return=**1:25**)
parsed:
**9:24**
